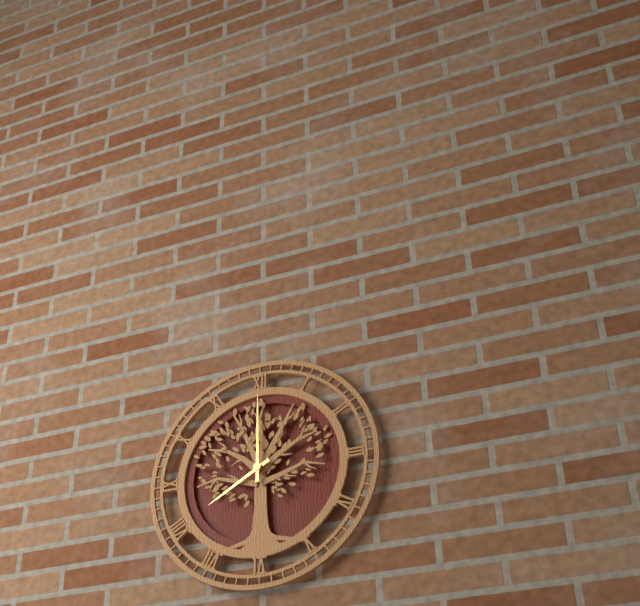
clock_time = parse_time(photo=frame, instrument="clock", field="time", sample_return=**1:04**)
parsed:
**8:00**
